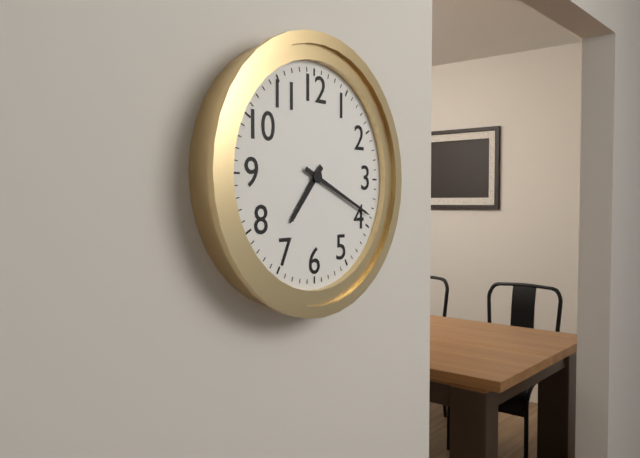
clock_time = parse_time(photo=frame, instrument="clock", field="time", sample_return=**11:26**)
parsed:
**7:19**
